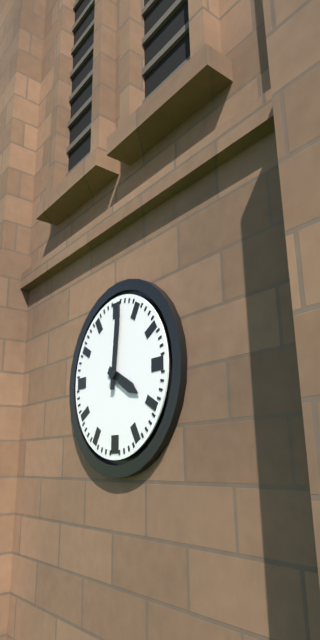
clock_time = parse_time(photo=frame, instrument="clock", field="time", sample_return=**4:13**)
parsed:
**4:01**
